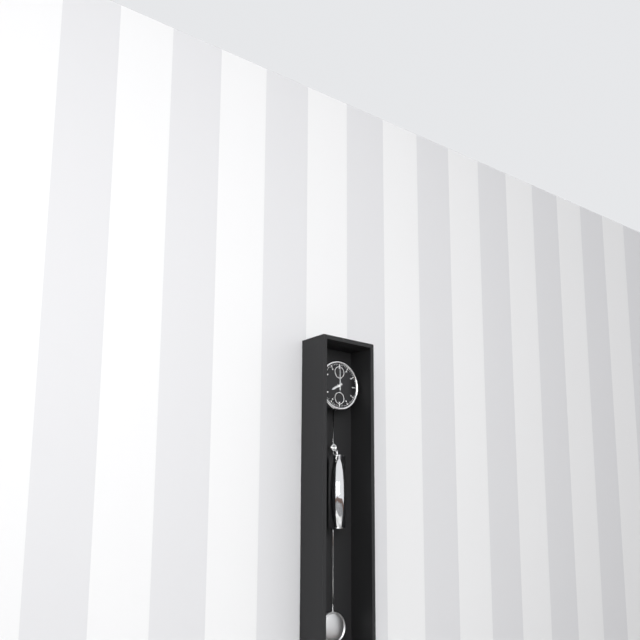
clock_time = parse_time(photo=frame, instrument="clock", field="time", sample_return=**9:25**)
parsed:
**8:00**
